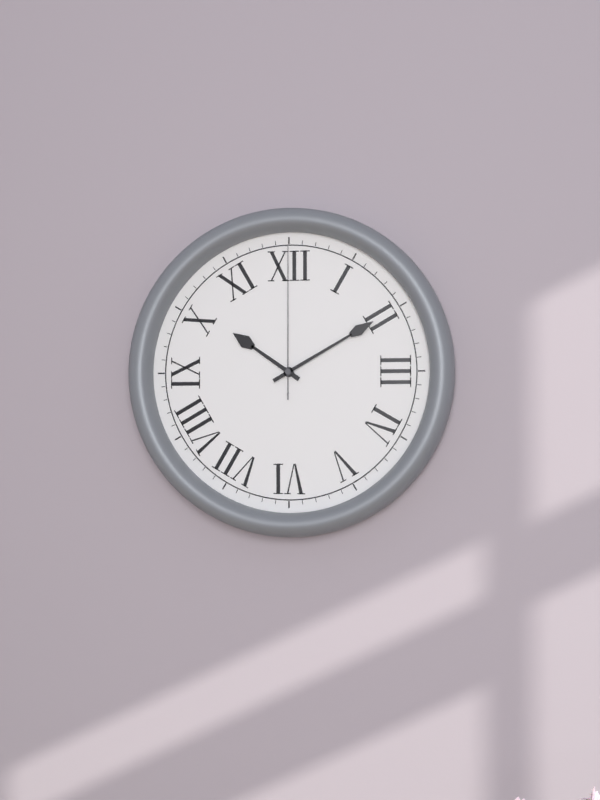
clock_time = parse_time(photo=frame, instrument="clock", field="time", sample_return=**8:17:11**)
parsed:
**10:10:00**
